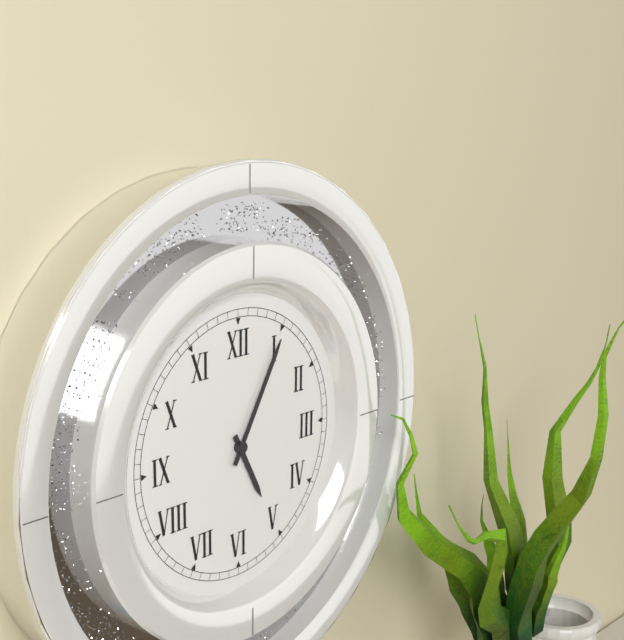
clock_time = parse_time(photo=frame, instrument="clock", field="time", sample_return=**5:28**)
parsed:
**5:05**
